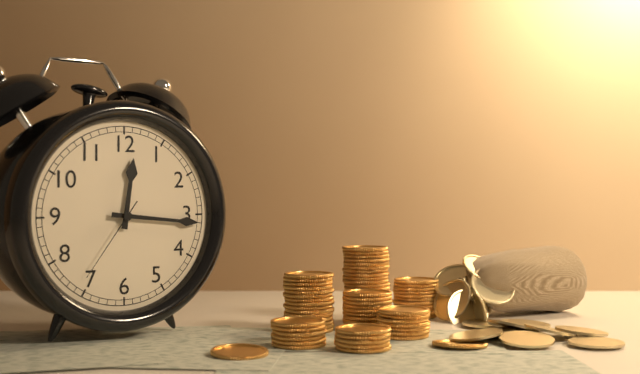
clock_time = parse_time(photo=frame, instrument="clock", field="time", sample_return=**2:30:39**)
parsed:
**12:16:36**
